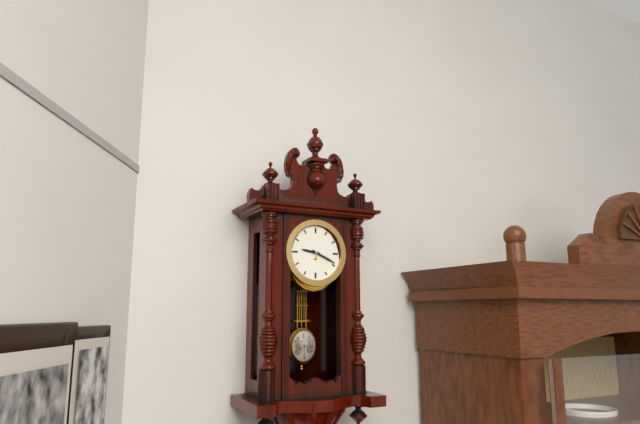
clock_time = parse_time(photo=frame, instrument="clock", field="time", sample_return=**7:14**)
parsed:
**9:19**
